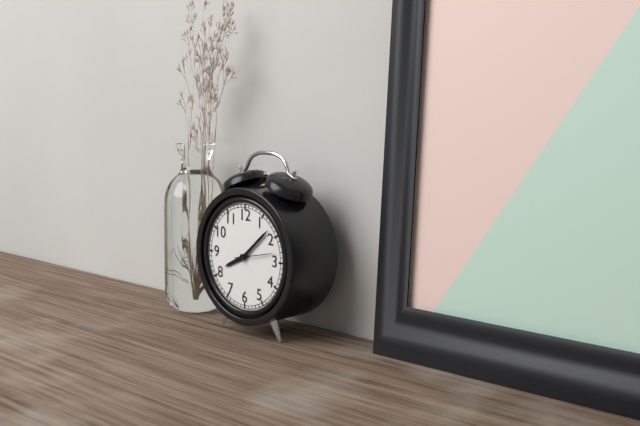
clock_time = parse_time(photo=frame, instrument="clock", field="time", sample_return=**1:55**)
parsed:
**8:08**
